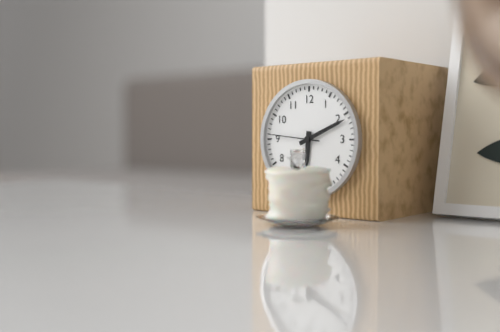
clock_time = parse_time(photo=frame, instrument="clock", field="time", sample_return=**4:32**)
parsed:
**6:11**
